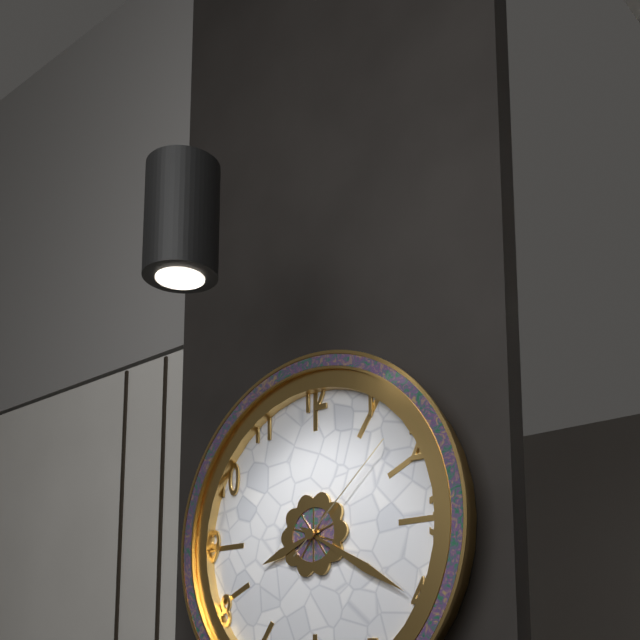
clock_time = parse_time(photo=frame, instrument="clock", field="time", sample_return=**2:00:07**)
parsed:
**8:20:08**
